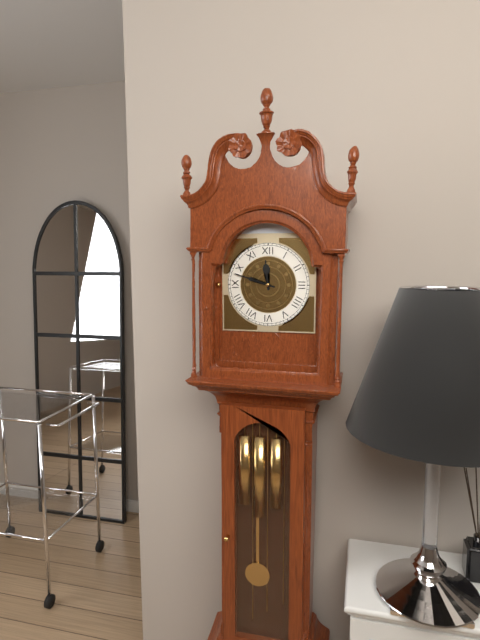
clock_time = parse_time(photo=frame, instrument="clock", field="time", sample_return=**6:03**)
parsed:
**11:48**
